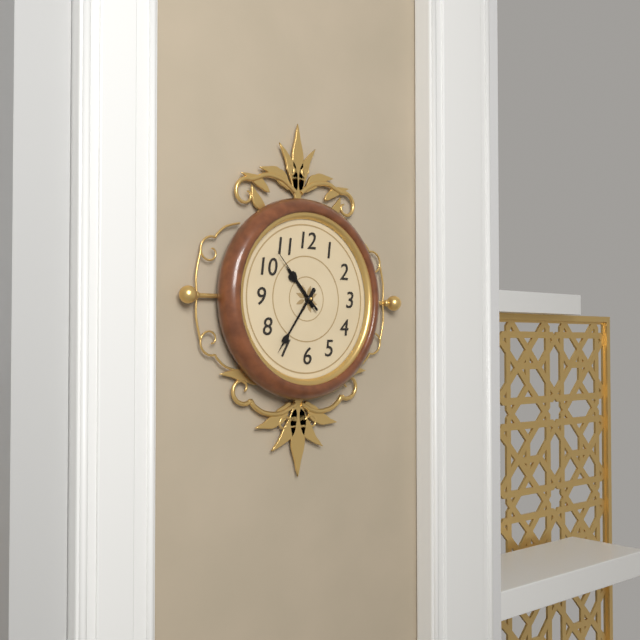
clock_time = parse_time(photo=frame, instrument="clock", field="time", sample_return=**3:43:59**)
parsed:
**10:36:53**
